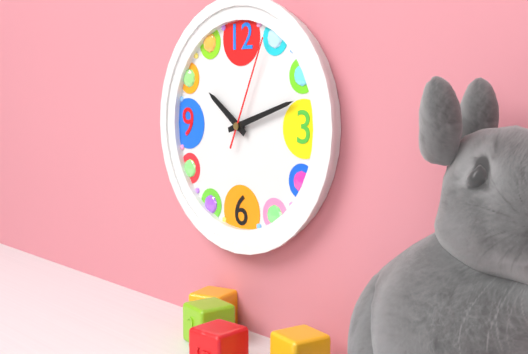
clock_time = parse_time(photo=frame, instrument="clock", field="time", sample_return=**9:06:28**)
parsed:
**10:12:04**
